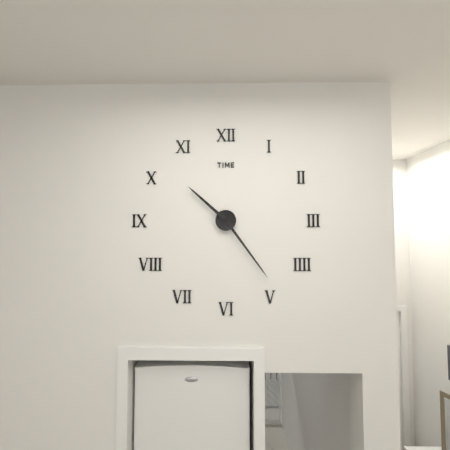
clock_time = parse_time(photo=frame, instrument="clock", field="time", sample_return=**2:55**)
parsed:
**10:24**
